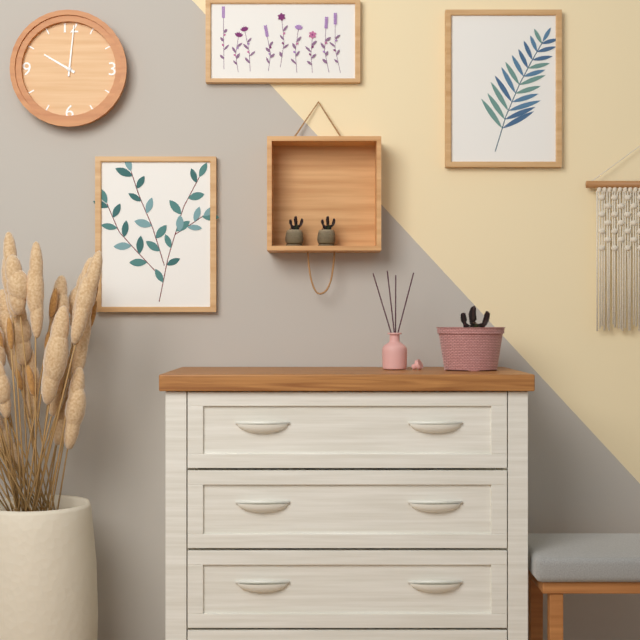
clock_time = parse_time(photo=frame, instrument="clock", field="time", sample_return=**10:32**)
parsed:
**10:01**
